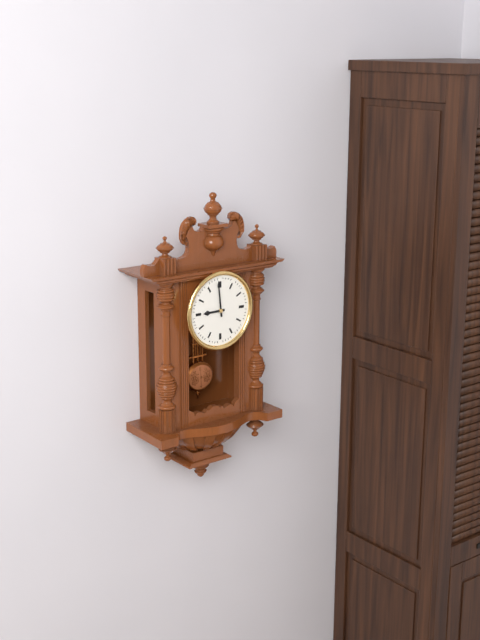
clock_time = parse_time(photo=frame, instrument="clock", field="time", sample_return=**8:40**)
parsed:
**8:59**
